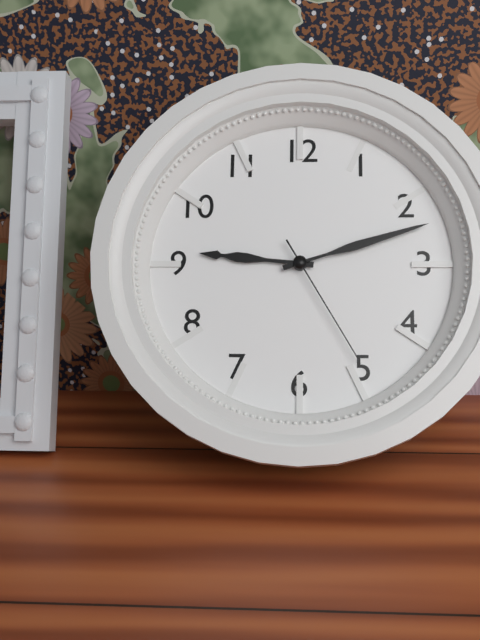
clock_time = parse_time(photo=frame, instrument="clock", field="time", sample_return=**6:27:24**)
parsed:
**9:12:25**
